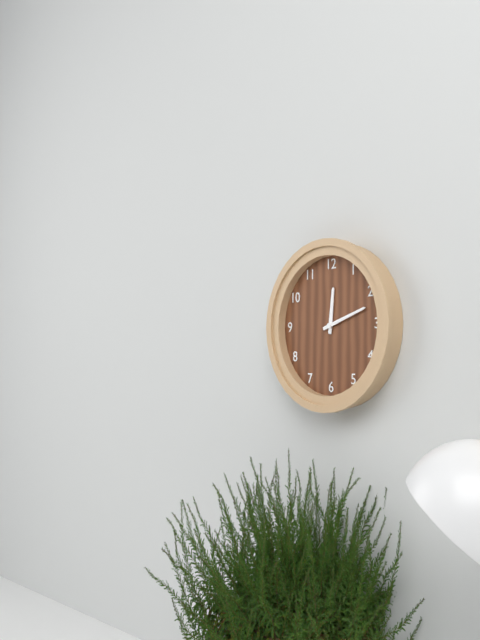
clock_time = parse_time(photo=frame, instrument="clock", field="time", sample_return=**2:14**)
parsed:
**12:12**
